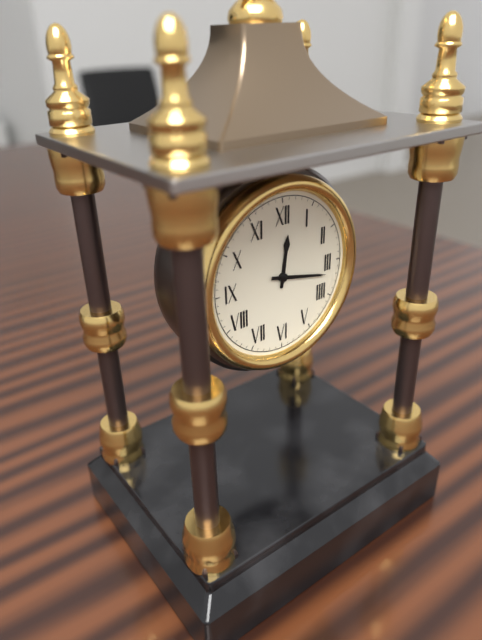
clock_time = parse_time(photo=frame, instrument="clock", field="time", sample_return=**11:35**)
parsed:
**12:17**
